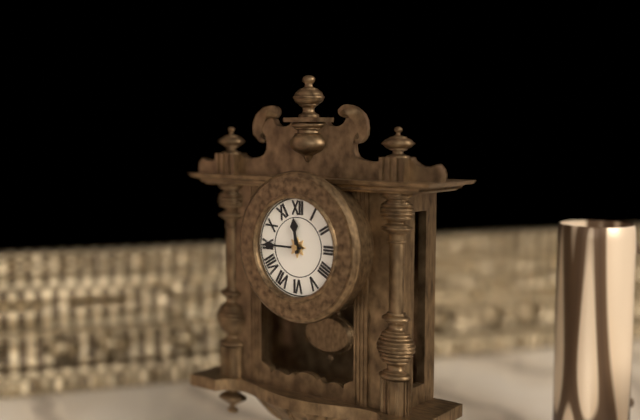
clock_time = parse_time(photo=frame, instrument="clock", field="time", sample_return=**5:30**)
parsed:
**11:45**
